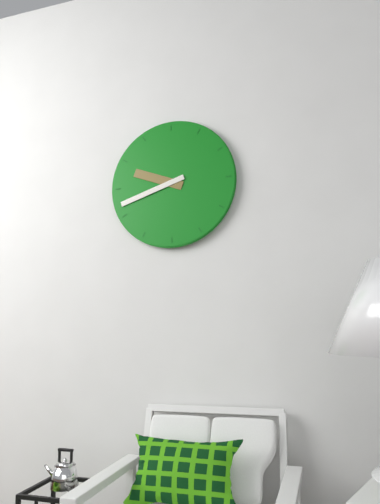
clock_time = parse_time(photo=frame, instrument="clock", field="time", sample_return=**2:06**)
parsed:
**9:42**
